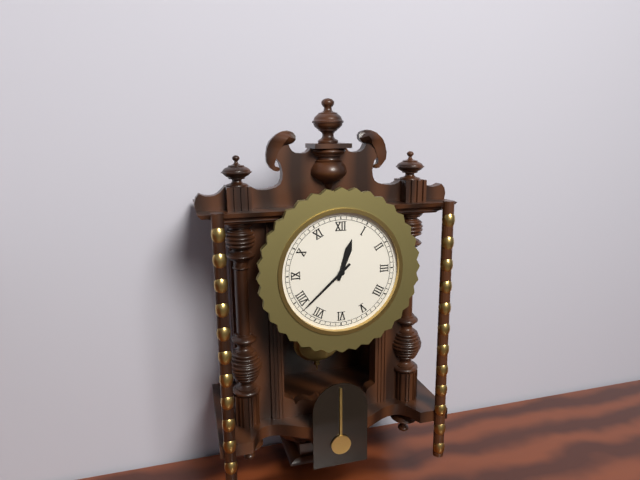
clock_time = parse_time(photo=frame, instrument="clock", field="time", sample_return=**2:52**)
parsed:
**12:38**
